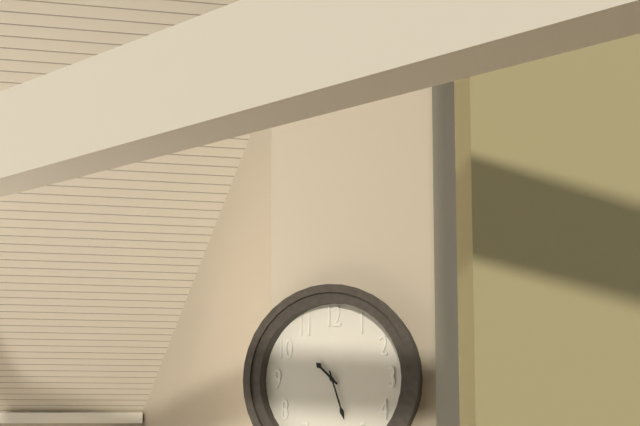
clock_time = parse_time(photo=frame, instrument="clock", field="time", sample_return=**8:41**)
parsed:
**10:27**
